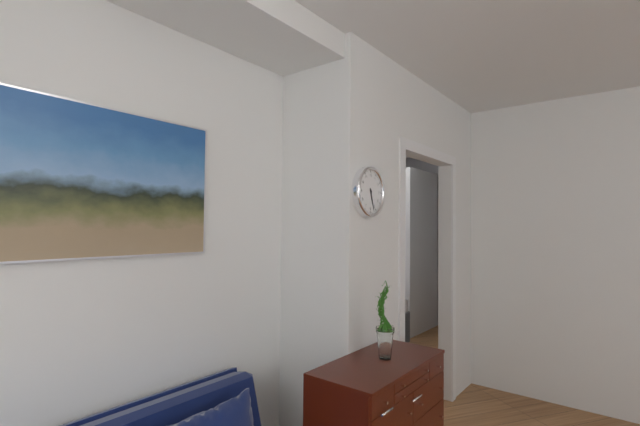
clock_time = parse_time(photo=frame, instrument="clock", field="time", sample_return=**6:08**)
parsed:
**5:27**
